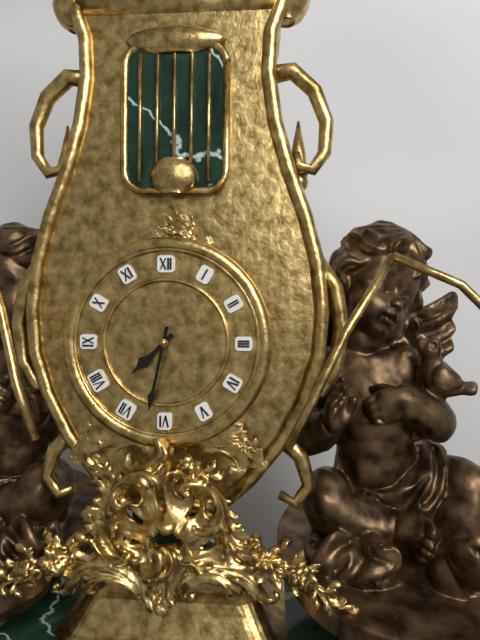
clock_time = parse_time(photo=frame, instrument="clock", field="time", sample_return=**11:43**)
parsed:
**7:32**
